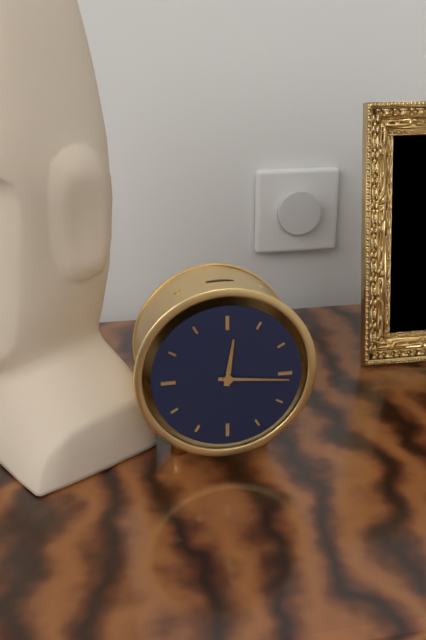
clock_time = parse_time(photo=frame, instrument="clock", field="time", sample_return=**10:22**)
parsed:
**12:16**
